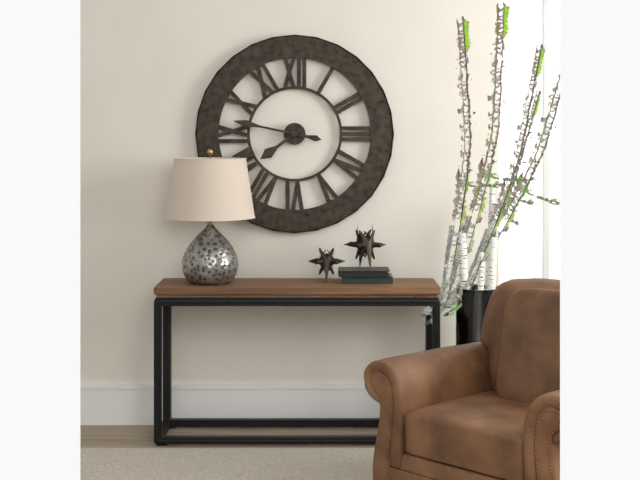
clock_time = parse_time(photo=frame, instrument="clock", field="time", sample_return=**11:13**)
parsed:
**7:47**
